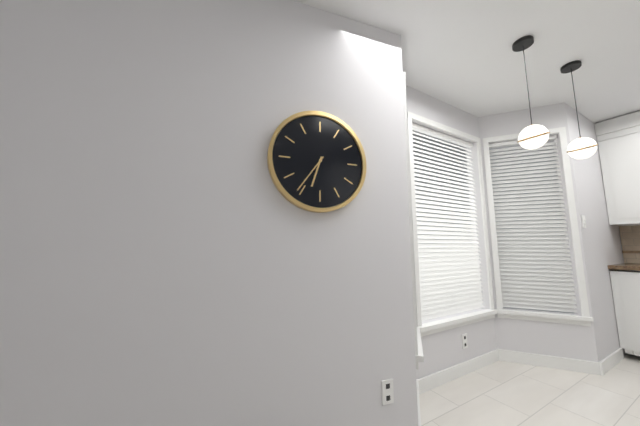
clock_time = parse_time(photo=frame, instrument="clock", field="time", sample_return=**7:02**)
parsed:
**6:36**
